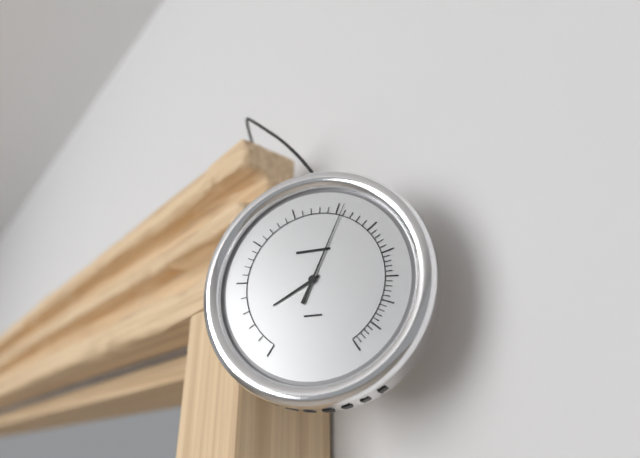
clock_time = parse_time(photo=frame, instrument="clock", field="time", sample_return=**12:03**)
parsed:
**8:04**
